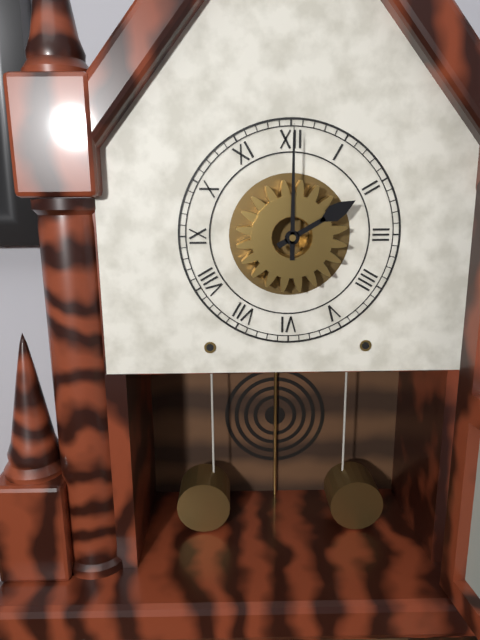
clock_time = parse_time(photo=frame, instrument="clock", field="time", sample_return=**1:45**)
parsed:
**2:00**
